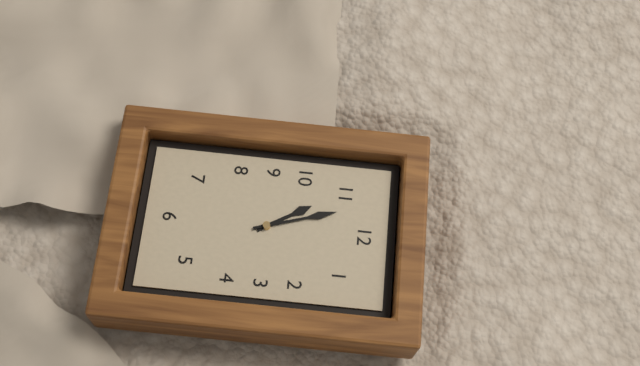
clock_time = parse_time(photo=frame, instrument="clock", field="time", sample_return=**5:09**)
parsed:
**10:57**
